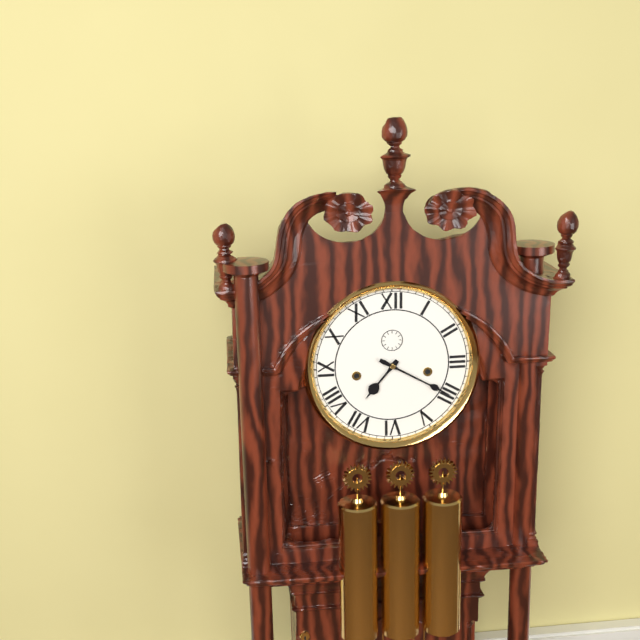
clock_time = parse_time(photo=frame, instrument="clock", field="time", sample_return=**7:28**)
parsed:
**7:20**
